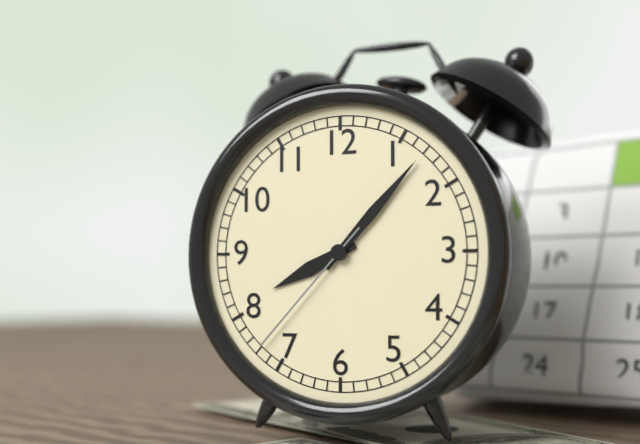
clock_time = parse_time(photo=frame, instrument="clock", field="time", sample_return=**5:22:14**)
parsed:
**8:07:37**
